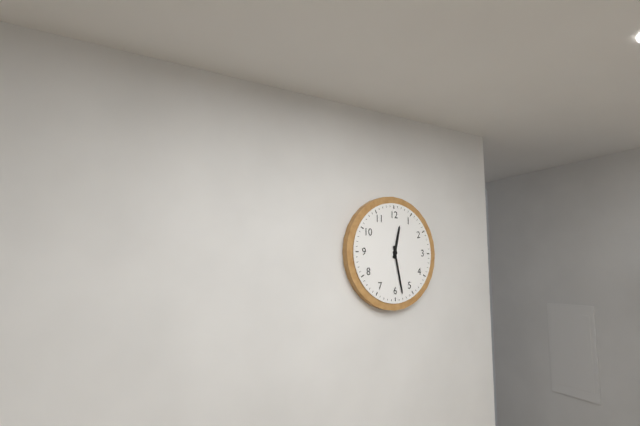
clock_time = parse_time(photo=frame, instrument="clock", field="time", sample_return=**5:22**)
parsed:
**12:28**
